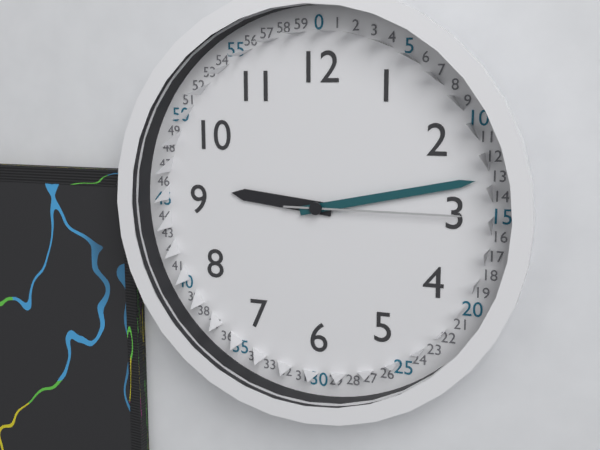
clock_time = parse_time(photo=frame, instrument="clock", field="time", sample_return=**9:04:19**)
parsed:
**9:13:15**
